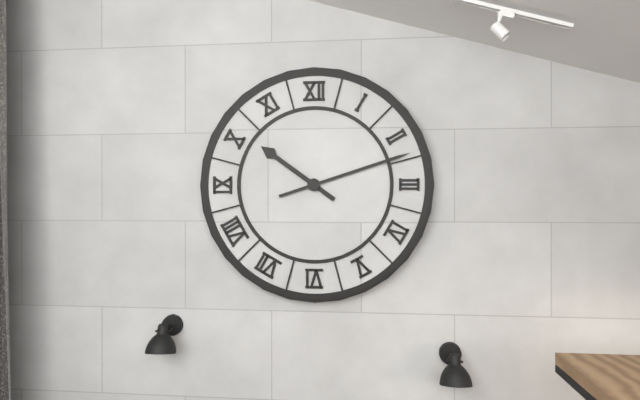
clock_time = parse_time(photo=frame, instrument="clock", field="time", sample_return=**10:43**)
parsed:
**10:12**
